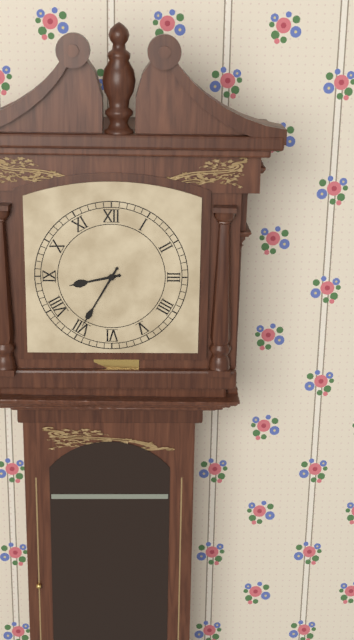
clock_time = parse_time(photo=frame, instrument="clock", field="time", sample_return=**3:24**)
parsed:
**8:35**
